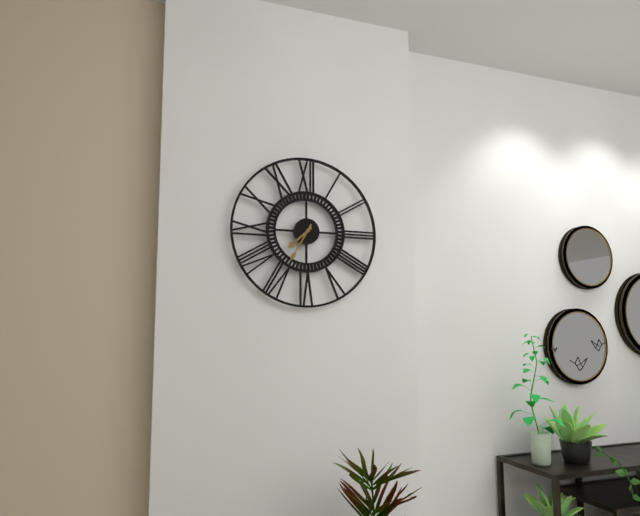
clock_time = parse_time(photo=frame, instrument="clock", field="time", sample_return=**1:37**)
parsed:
**7:35**
